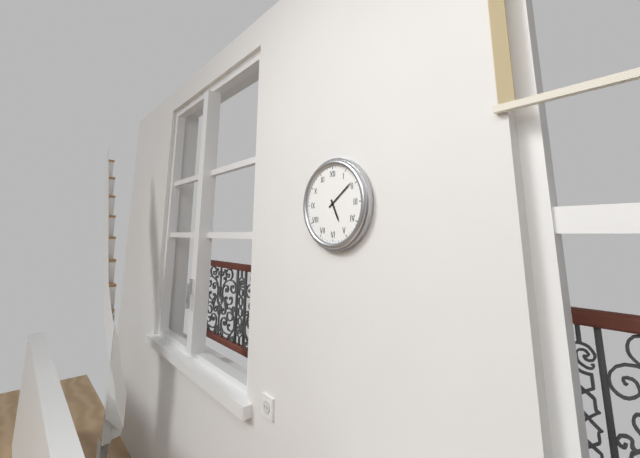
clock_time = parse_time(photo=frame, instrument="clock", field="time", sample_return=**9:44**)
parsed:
**5:09**
